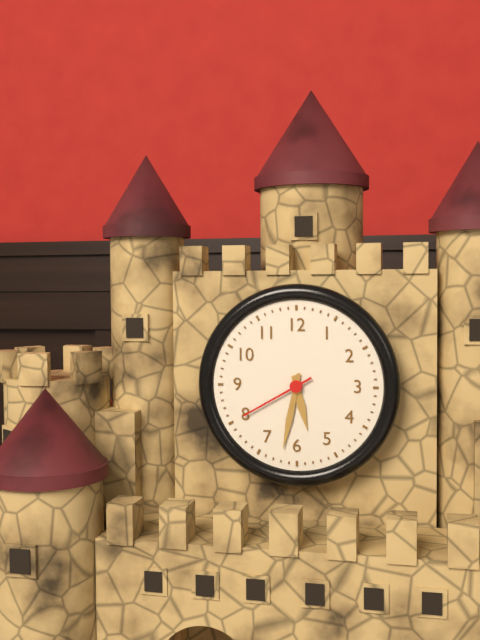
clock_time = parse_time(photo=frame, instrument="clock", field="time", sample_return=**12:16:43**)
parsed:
**5:32:40**
